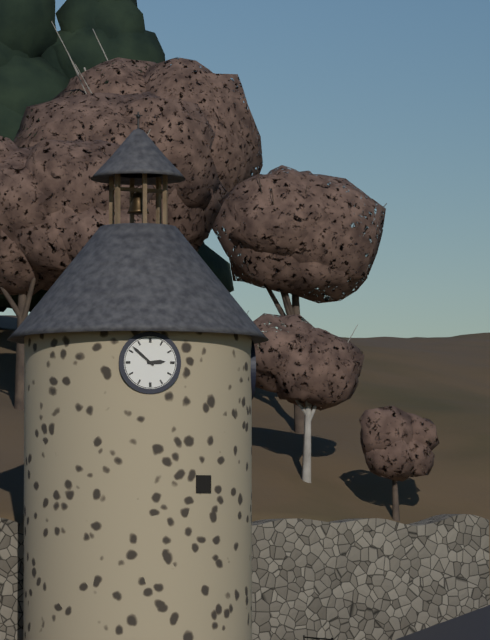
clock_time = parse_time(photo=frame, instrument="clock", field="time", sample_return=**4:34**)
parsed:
**2:52**
